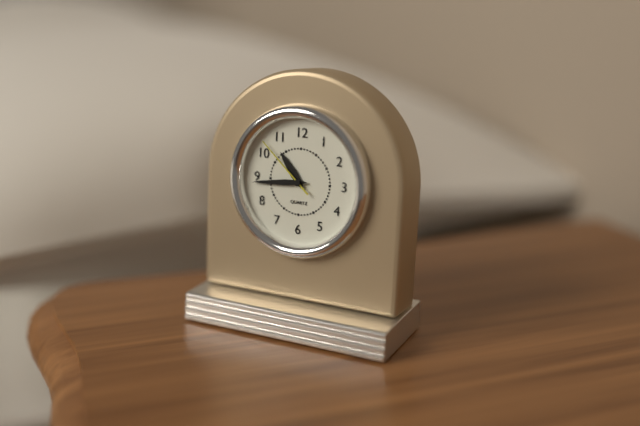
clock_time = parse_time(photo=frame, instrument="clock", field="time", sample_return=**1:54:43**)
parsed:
**10:44:52**
